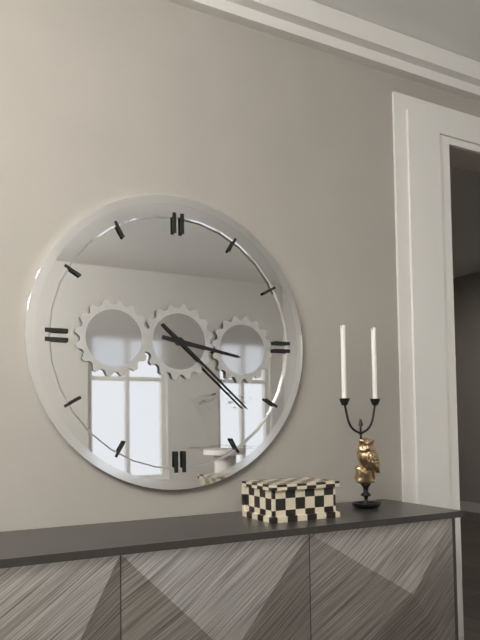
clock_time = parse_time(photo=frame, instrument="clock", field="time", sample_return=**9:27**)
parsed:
**3:22**
